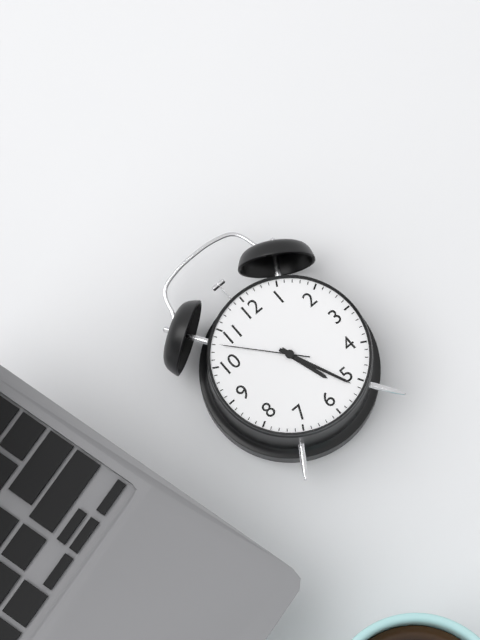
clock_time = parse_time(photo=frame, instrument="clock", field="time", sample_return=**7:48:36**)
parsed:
**5:26:53**
